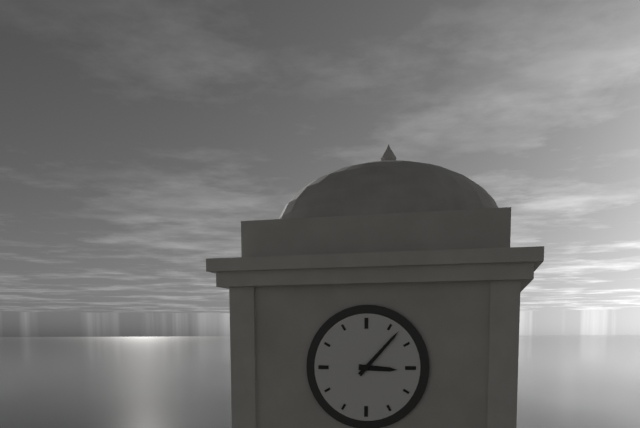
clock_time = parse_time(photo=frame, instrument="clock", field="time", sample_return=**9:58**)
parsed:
**3:07**
